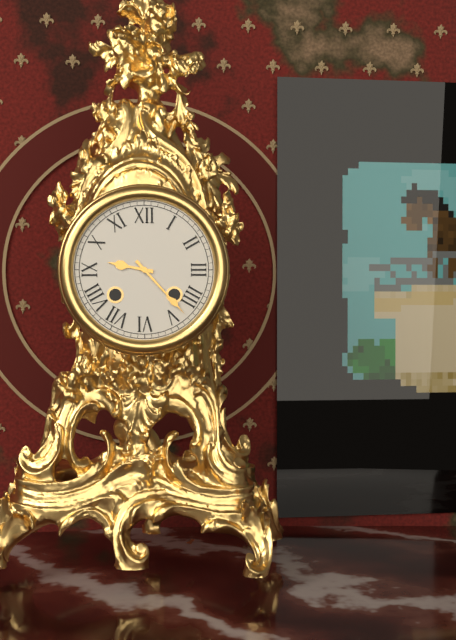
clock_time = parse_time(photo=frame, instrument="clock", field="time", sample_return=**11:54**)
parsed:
**9:23**
